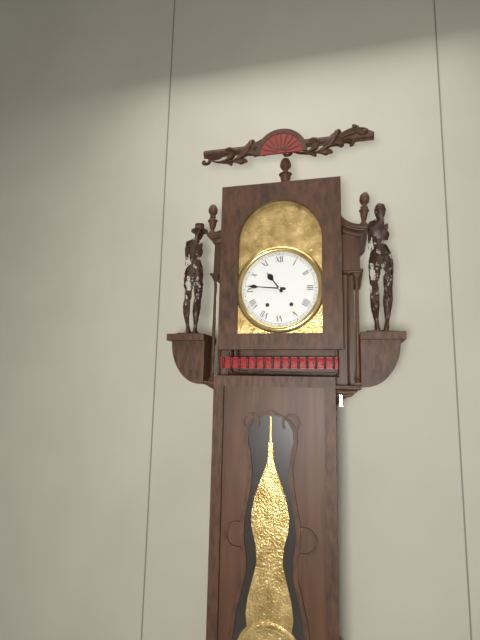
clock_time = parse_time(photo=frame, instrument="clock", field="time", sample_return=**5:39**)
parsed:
**10:46**
